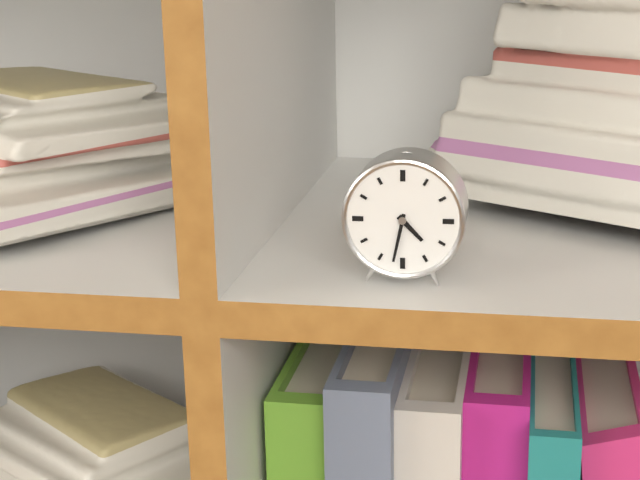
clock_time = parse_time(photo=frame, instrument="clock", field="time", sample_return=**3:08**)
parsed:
**4:32**
